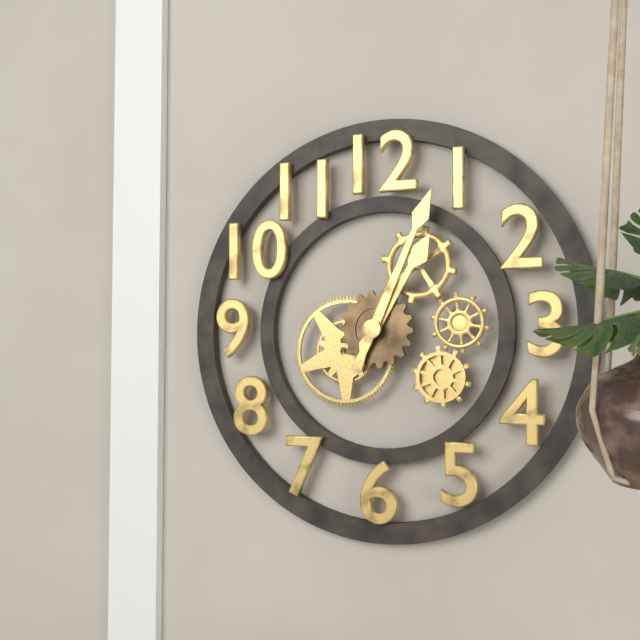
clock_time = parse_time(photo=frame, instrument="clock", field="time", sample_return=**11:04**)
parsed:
**1:04**
